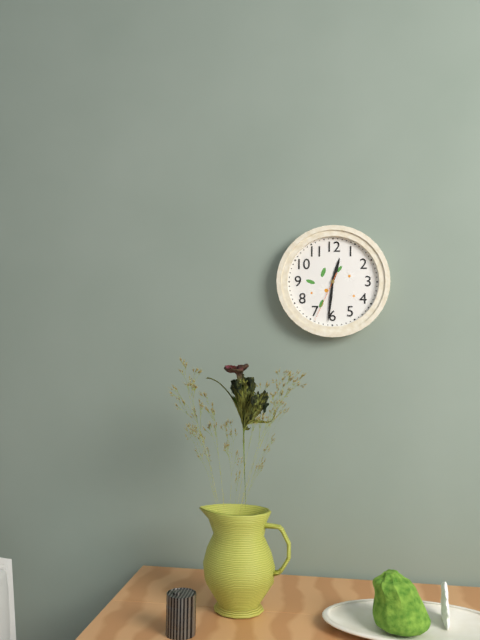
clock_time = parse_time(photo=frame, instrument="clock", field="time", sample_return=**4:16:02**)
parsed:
**12:31:34**
